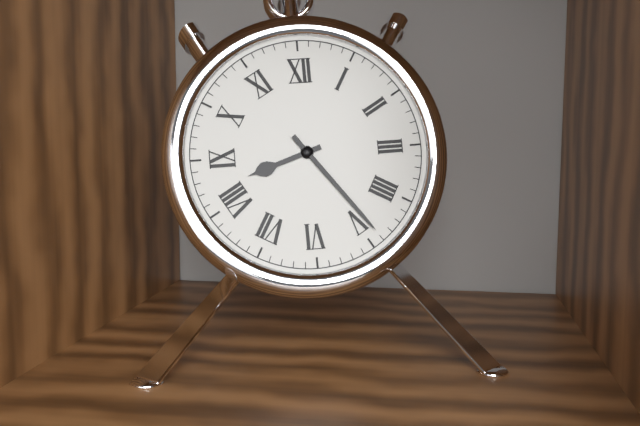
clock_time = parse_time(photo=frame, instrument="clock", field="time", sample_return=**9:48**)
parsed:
**8:24**
